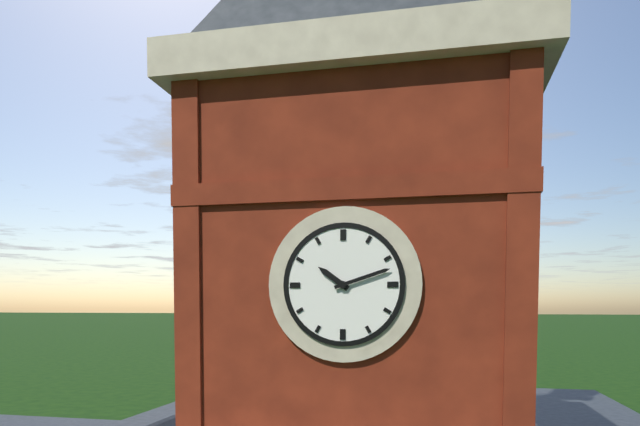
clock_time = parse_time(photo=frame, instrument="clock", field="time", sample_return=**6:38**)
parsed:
**10:12**
